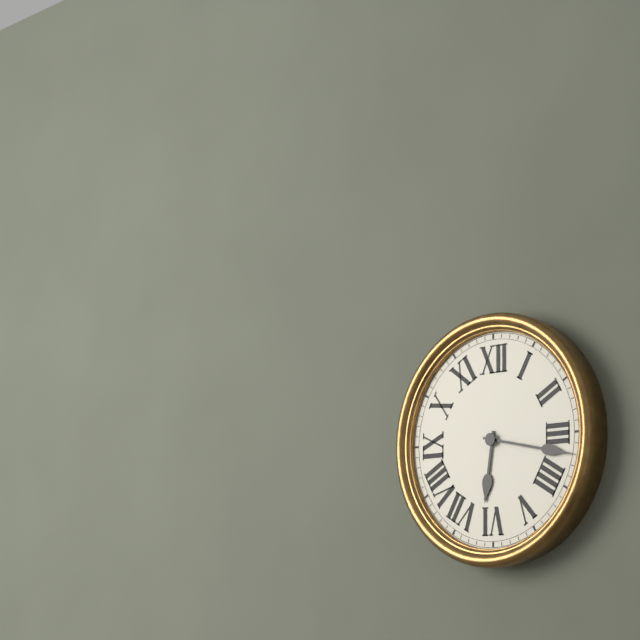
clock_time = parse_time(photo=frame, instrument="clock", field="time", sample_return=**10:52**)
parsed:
**6:17**
